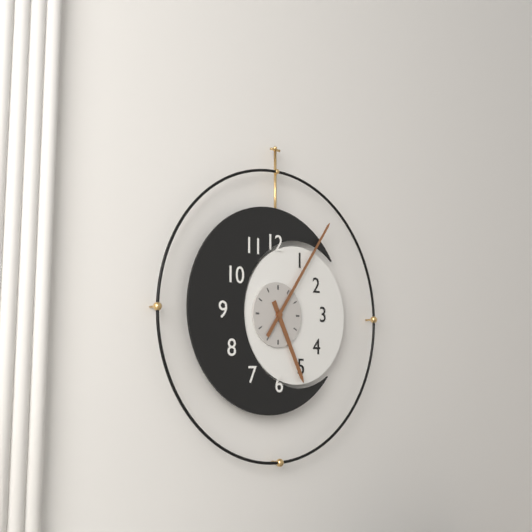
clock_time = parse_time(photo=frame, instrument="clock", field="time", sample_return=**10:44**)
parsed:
**5:06**
